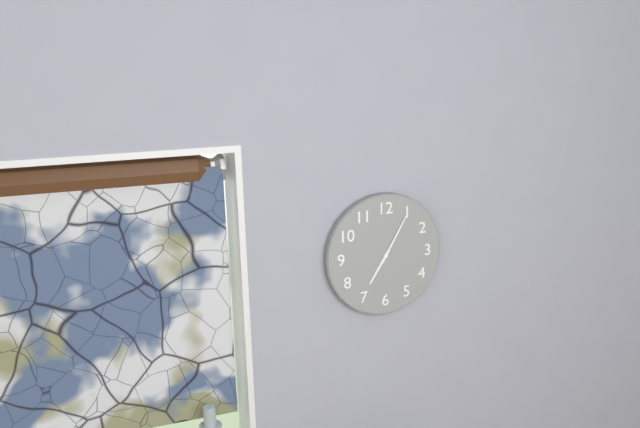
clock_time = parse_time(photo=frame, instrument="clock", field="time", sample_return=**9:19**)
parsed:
**7:05**
